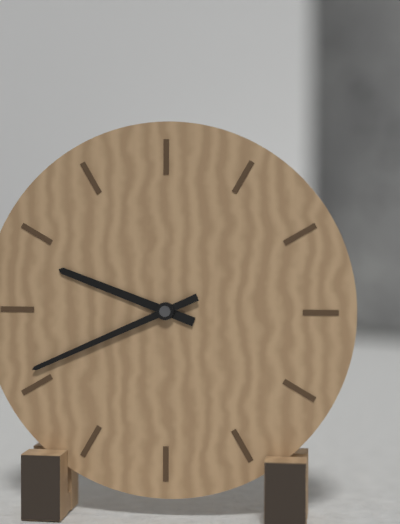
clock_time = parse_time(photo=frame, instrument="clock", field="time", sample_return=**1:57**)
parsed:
**9:41**
